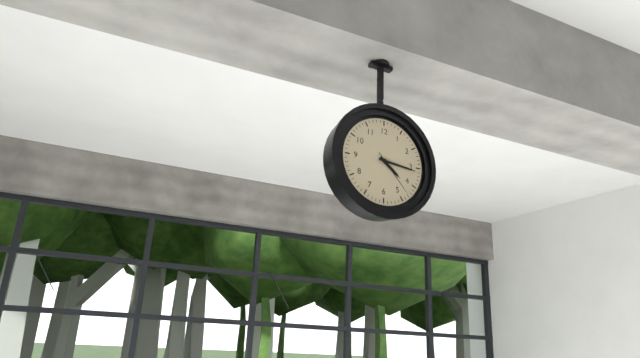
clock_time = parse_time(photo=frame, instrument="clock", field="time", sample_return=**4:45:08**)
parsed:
**4:16:23**
